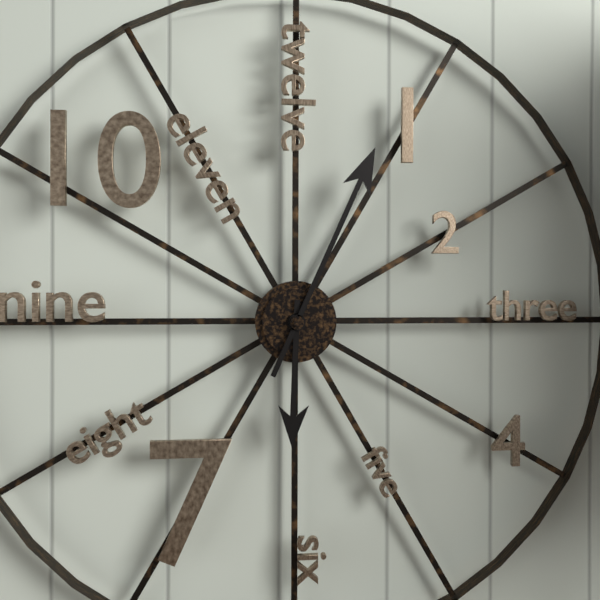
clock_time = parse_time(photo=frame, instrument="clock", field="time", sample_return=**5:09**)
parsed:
**6:04**
